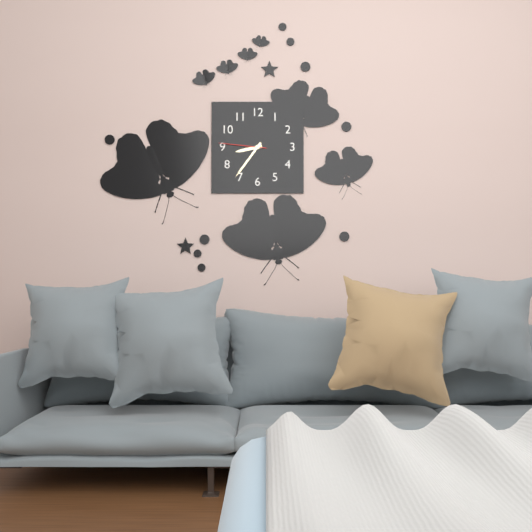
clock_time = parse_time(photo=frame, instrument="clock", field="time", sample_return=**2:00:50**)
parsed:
**8:36:46**
